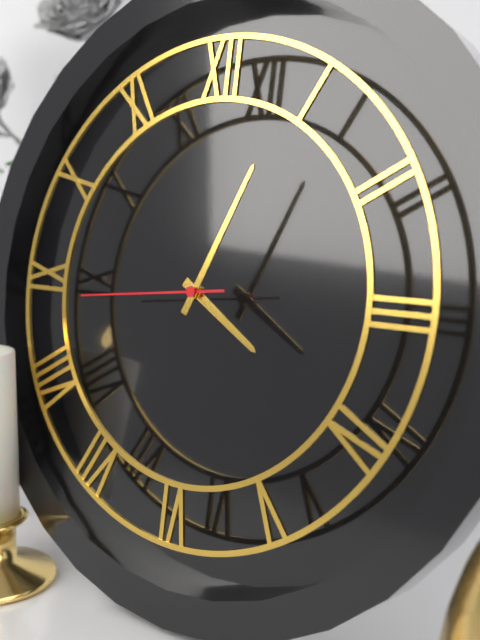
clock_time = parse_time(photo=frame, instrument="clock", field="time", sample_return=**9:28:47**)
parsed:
**4:04:44**
